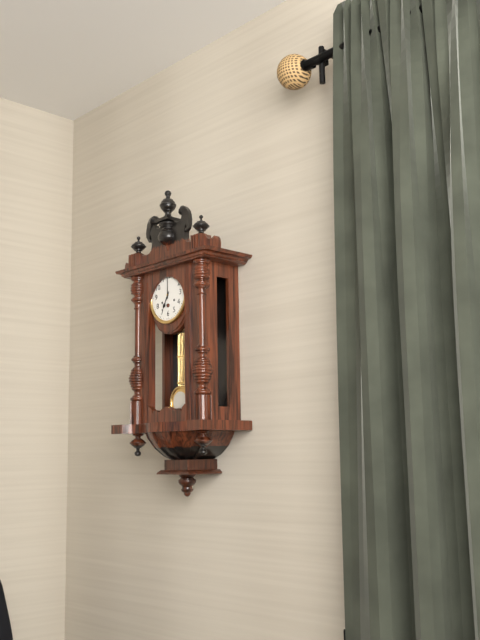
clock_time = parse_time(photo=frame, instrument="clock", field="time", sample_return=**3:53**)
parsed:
**7:00**
